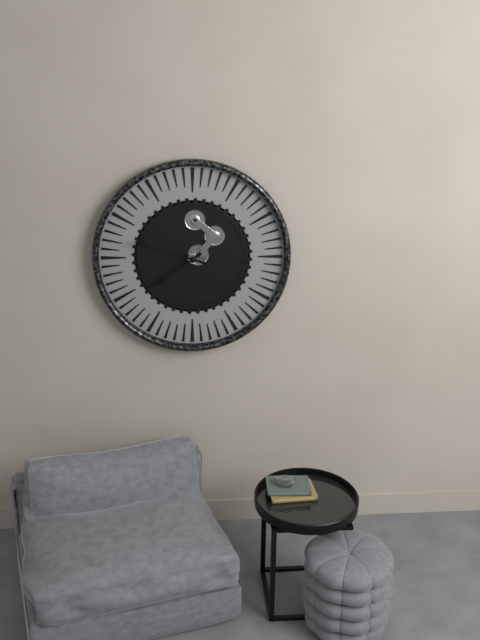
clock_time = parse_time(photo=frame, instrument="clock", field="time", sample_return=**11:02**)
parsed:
**7:48**
